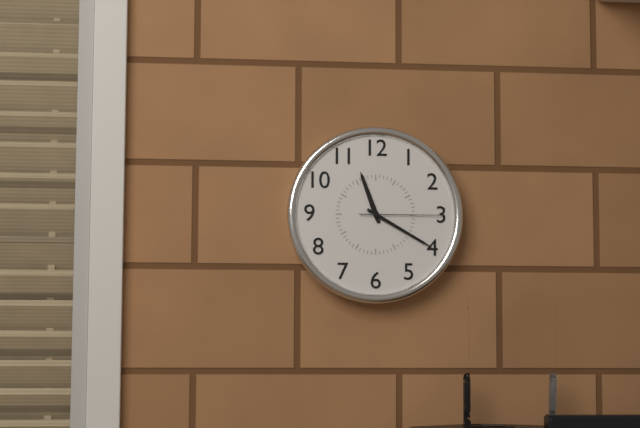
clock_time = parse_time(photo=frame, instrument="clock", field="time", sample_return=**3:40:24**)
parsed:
**11:20:15**
